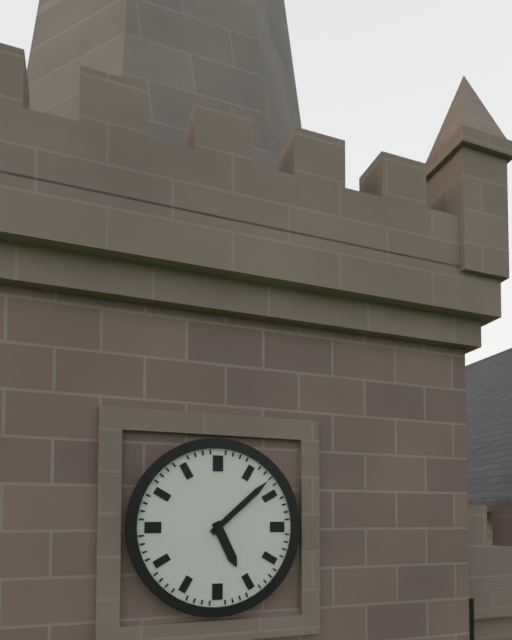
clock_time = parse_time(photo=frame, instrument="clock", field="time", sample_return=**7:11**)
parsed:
**5:08**
